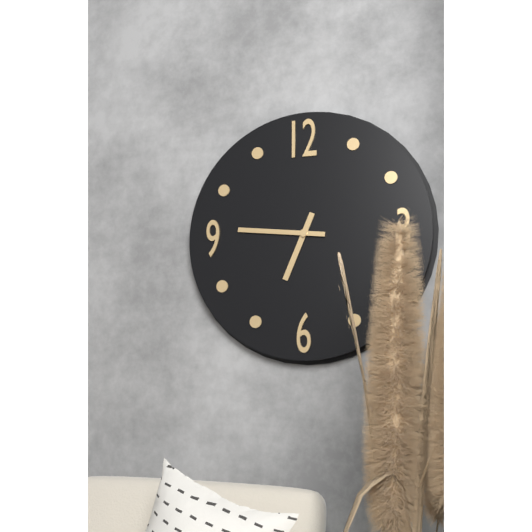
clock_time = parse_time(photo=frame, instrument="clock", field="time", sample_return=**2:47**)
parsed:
**6:46**
